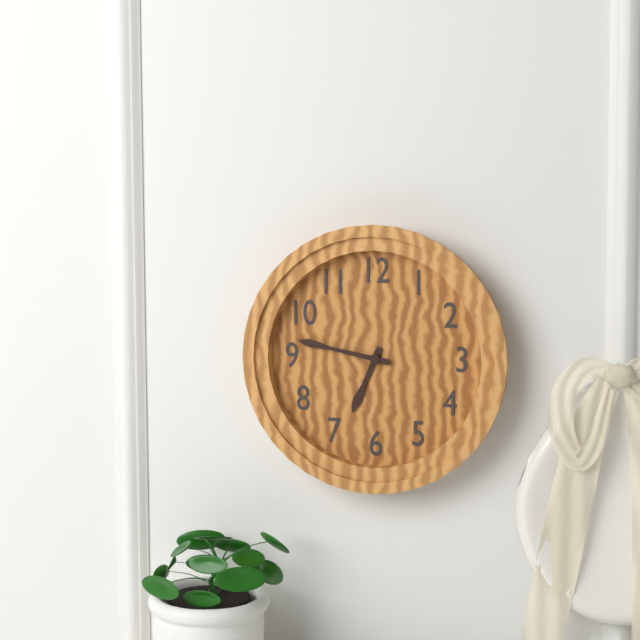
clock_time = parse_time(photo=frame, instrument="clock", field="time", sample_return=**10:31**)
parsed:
**6:47**
